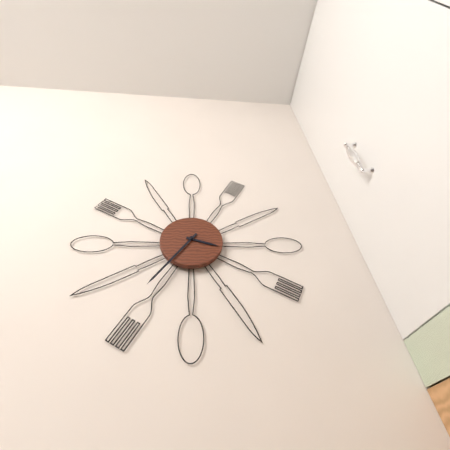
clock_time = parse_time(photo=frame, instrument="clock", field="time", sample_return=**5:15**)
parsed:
**3:36**
